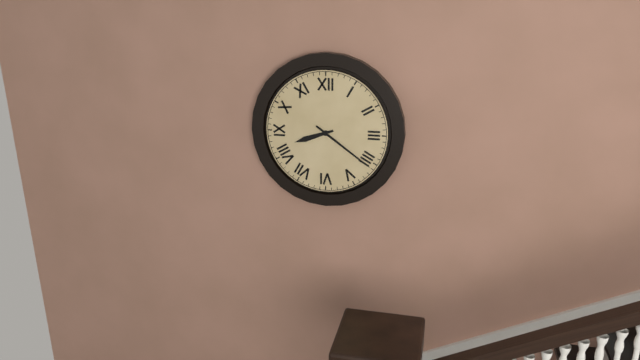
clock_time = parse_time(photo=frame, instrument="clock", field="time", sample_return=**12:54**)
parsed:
**8:21**
